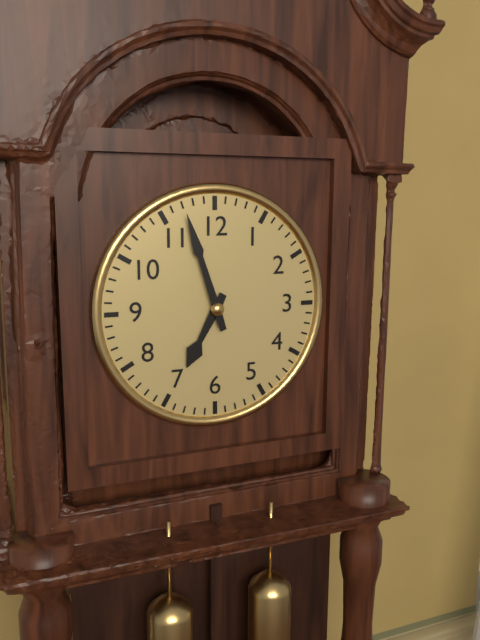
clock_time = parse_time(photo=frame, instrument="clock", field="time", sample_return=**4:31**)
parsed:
**6:57**
